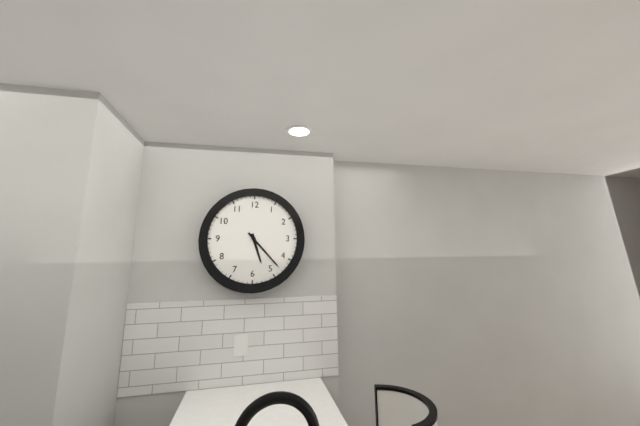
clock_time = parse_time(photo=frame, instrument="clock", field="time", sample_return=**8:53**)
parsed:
**5:23**
